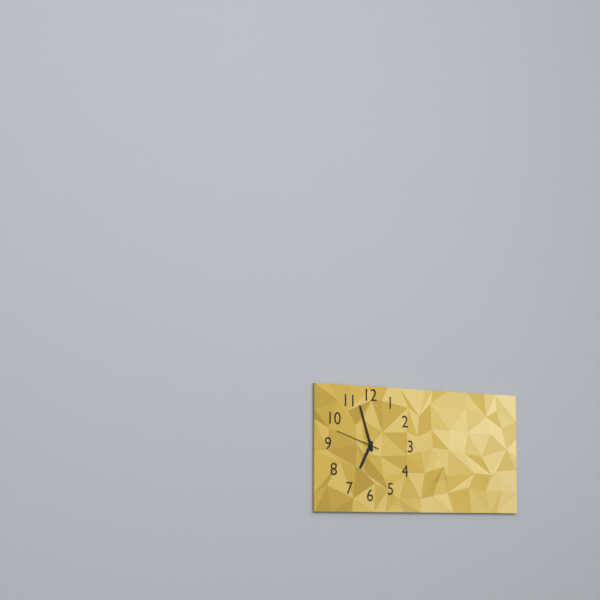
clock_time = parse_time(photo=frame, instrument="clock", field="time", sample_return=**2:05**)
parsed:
**6:57**
